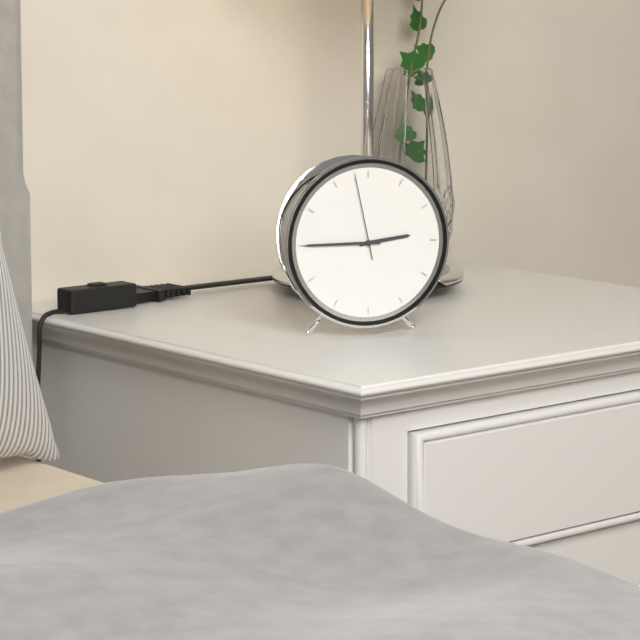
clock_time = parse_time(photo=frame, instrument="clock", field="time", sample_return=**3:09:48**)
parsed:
**2:45:58**
